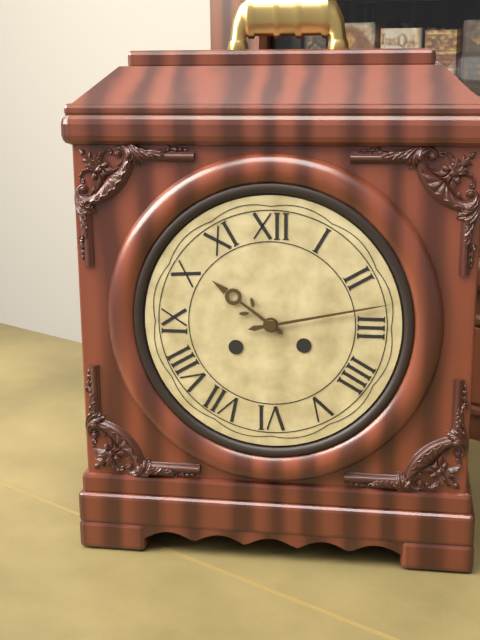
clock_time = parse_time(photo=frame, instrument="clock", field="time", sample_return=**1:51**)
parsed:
**10:13**
